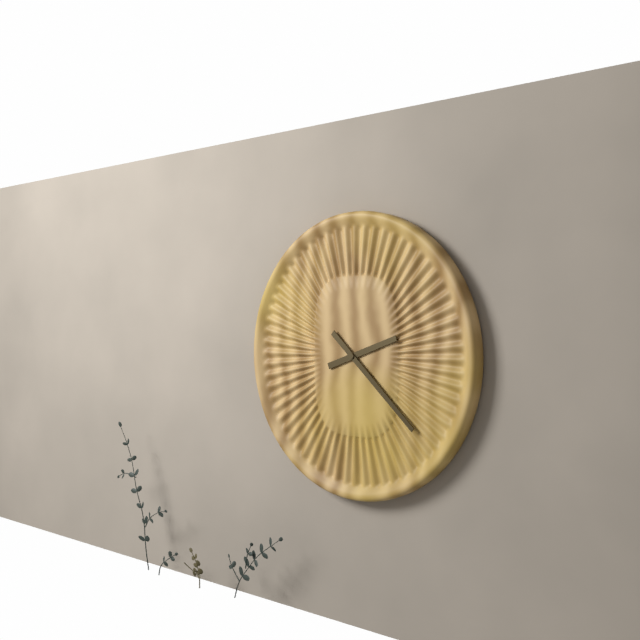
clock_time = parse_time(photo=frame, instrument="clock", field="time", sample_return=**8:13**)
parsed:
**2:22**
